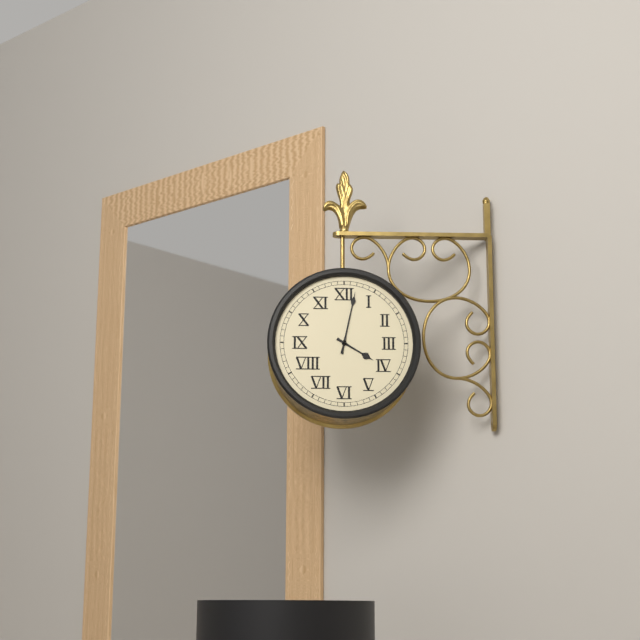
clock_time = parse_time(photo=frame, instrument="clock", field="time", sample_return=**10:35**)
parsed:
**4:02**
